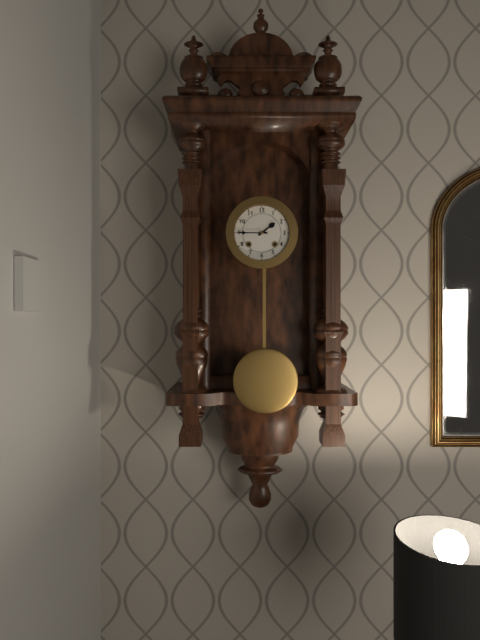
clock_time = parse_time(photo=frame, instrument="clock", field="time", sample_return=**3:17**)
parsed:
**1:45**
